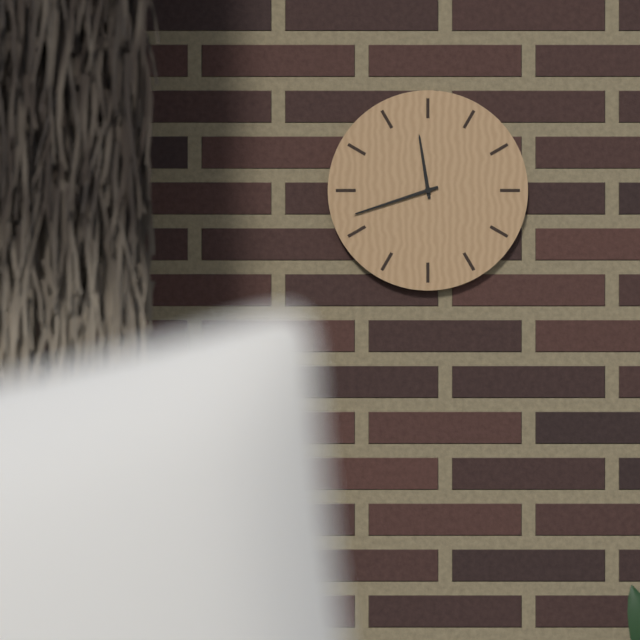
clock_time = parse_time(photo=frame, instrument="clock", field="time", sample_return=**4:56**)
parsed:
**11:42**
